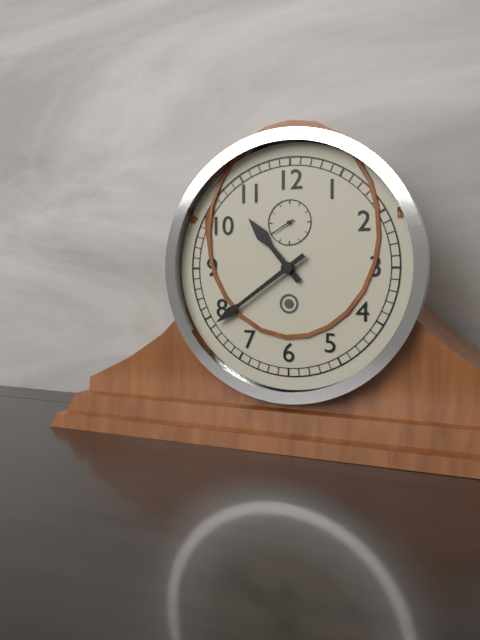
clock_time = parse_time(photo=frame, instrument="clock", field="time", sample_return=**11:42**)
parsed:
**10:39**
